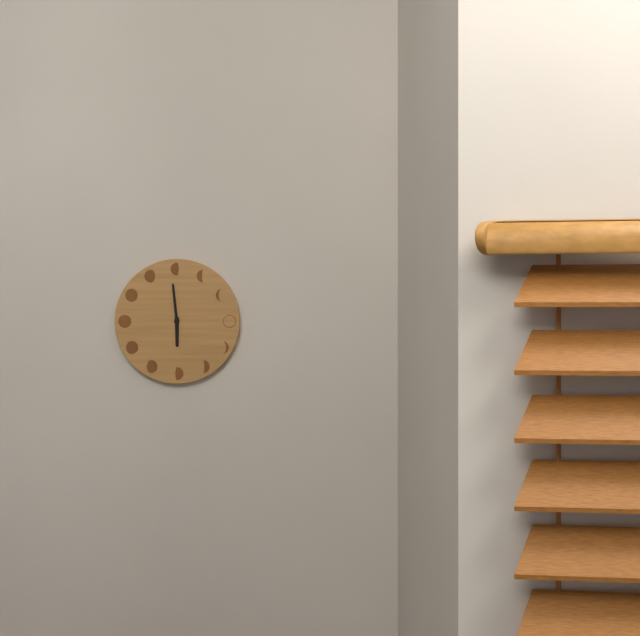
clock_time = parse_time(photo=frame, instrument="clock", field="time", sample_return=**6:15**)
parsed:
**5:59**
